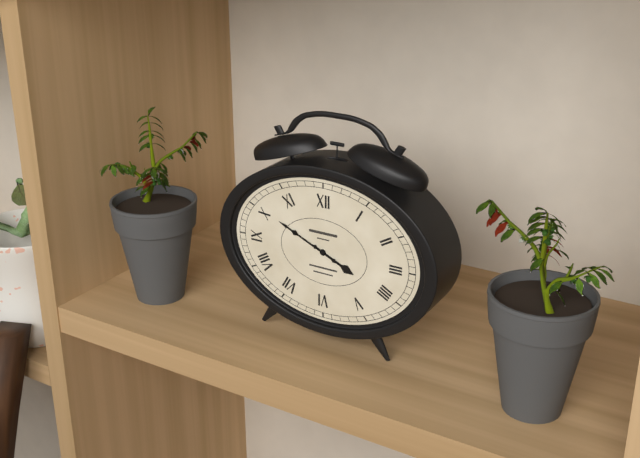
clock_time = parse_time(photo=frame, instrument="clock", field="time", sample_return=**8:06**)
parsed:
**3:49**
